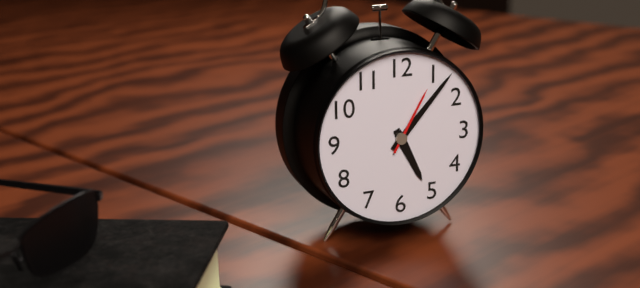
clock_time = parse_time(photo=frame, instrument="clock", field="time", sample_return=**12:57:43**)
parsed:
**5:07:05**
